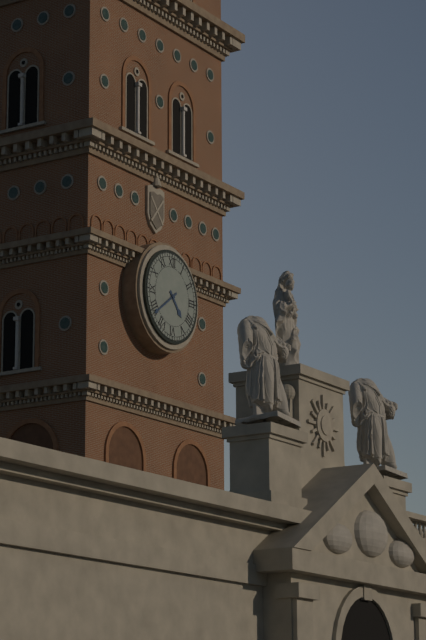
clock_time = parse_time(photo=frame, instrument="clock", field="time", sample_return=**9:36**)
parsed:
**4:39**
